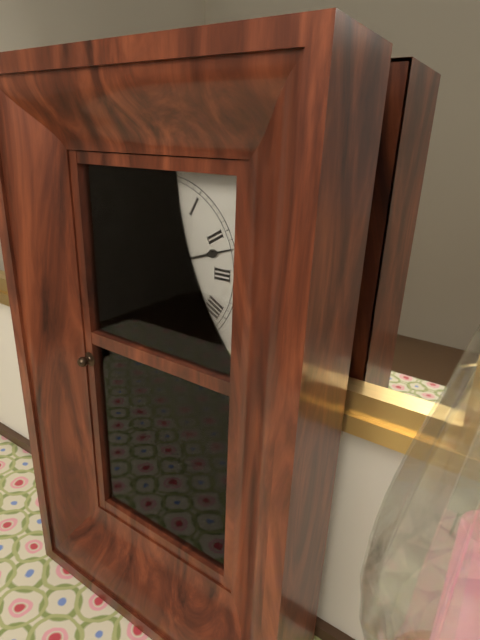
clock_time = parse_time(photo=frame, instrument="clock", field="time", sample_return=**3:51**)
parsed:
**12:12**
